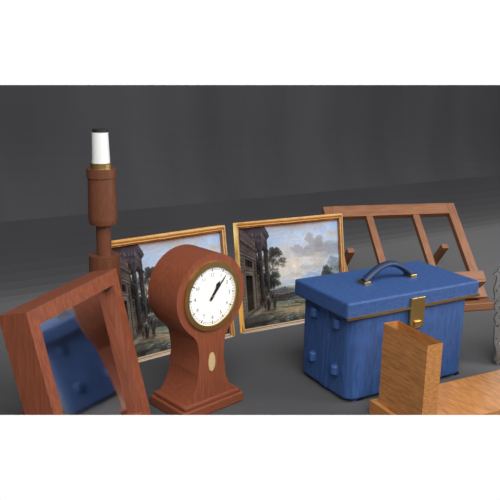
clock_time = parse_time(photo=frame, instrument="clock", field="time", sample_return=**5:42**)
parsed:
**1:07**
